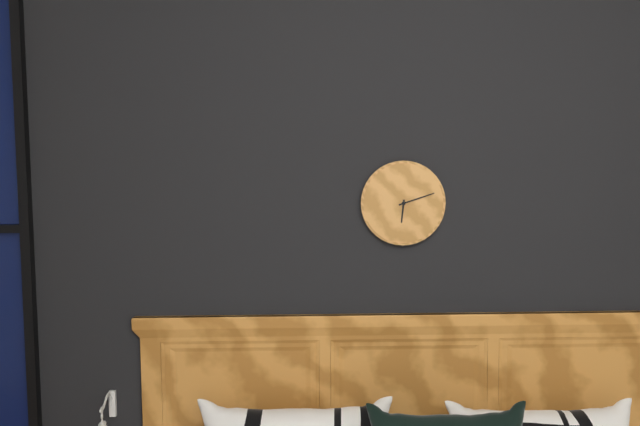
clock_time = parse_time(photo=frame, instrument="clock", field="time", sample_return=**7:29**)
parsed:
**6:12**
